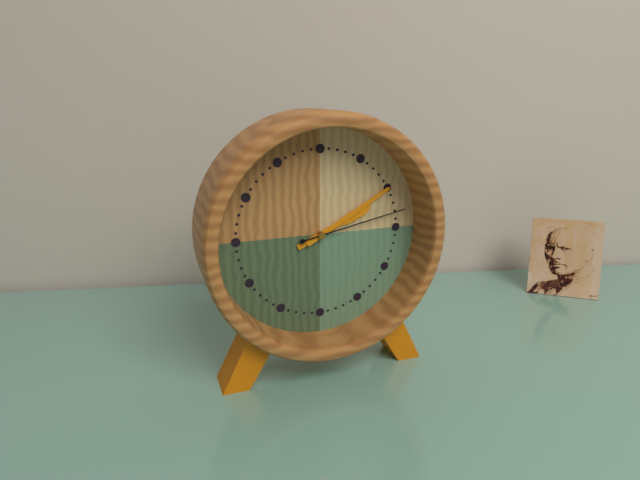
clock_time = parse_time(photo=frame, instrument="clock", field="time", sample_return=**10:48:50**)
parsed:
**2:10:13**
